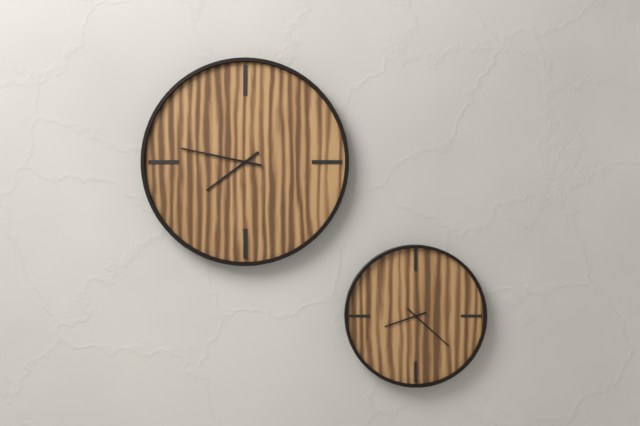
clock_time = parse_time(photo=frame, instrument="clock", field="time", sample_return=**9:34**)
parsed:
**7:47**
